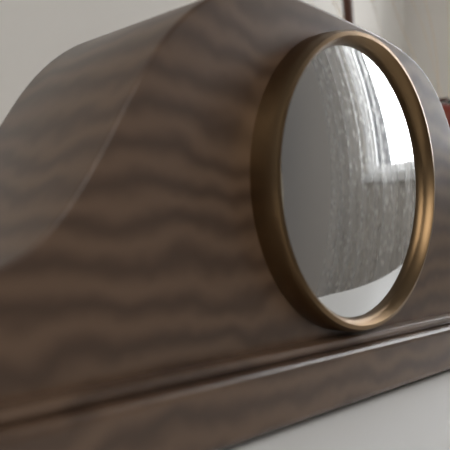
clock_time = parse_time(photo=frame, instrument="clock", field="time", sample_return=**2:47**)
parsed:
**7:13**
